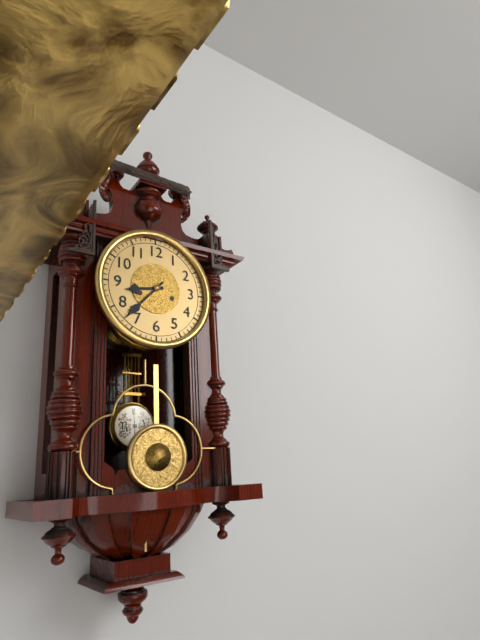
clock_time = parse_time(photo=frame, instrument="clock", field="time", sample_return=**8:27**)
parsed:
**8:37**
